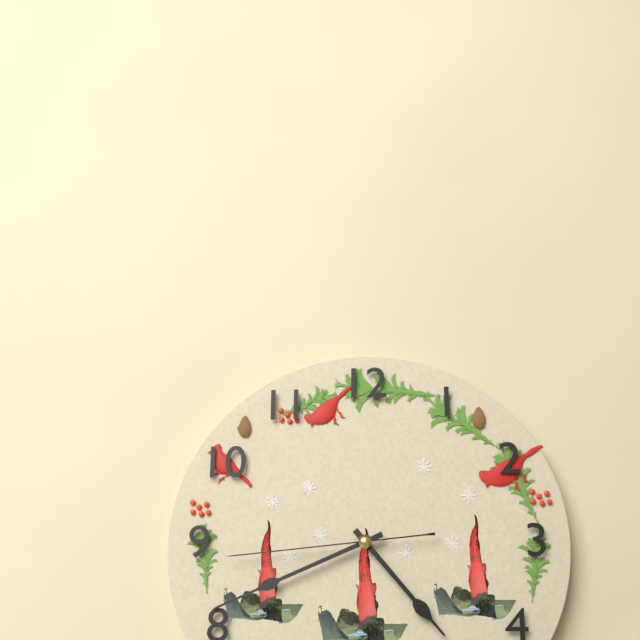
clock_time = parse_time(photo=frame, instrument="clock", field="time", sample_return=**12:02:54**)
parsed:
**4:41:44**
